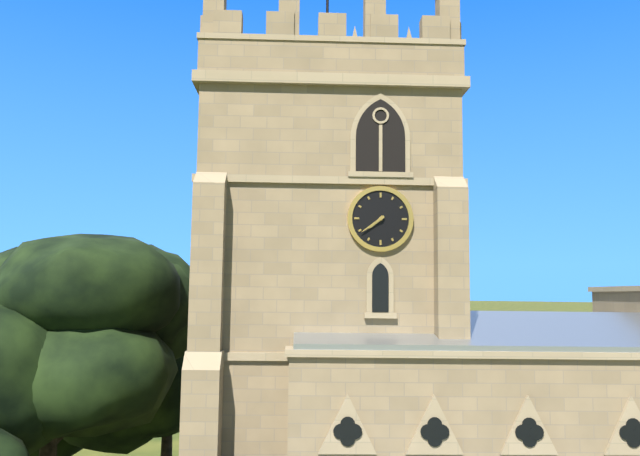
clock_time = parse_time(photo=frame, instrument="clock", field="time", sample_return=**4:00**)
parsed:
**7:39**
